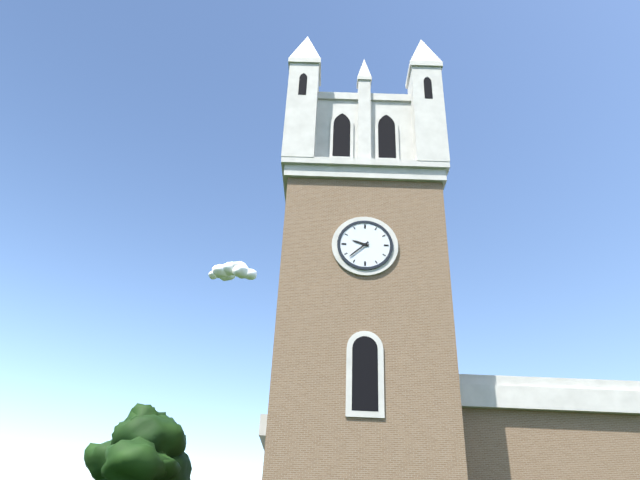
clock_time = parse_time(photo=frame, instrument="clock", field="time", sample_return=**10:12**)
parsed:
**9:38**
